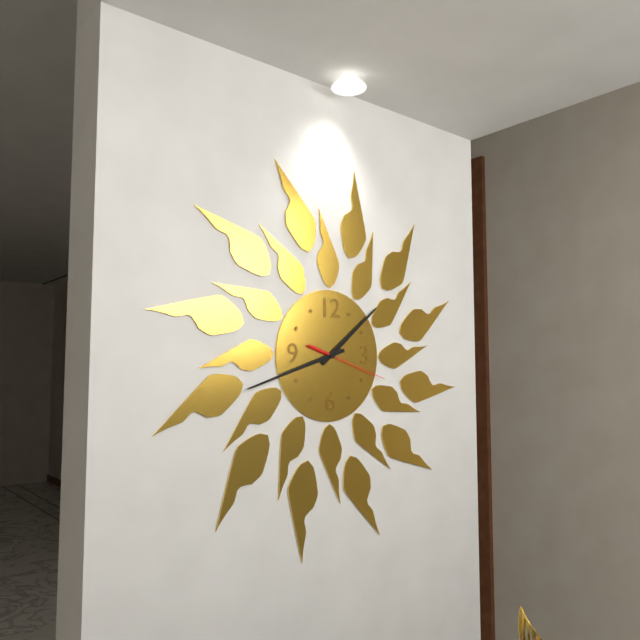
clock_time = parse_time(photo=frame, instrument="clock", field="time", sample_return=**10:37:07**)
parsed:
**1:42:18**
